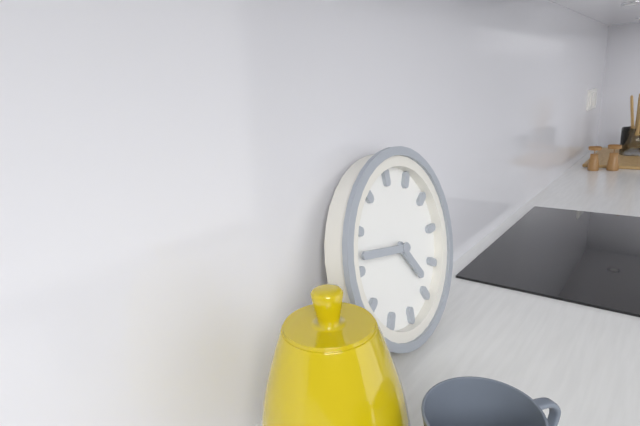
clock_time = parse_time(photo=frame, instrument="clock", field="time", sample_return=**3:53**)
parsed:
**4:47**
